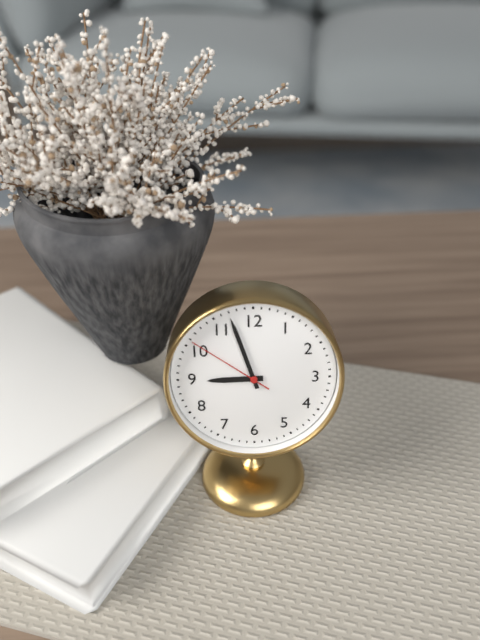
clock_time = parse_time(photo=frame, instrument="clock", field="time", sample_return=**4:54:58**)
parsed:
**8:57:51**
